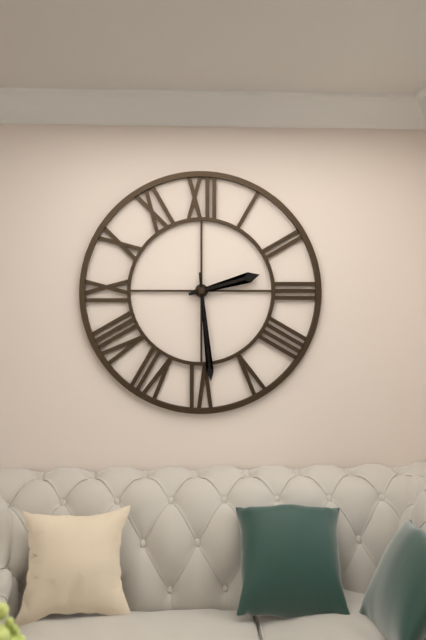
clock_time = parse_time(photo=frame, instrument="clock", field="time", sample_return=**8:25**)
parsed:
**2:29**
